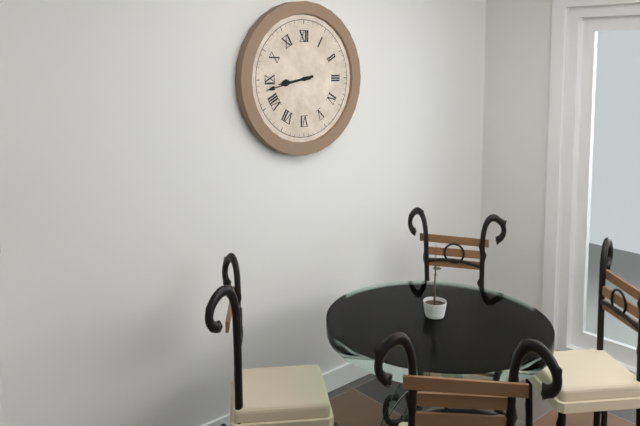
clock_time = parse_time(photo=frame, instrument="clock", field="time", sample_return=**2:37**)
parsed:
**8:43**
